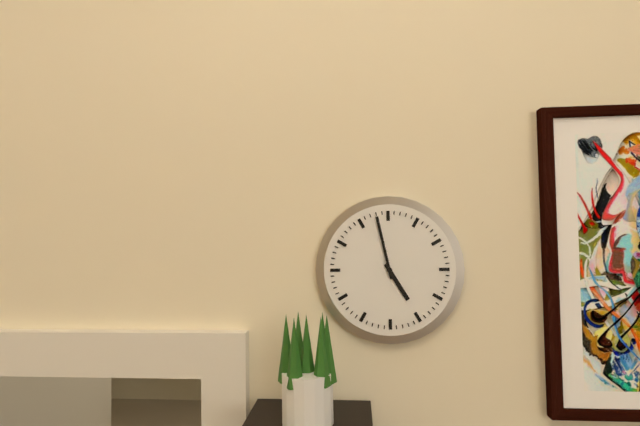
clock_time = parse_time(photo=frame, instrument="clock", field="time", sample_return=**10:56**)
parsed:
**4:58**
